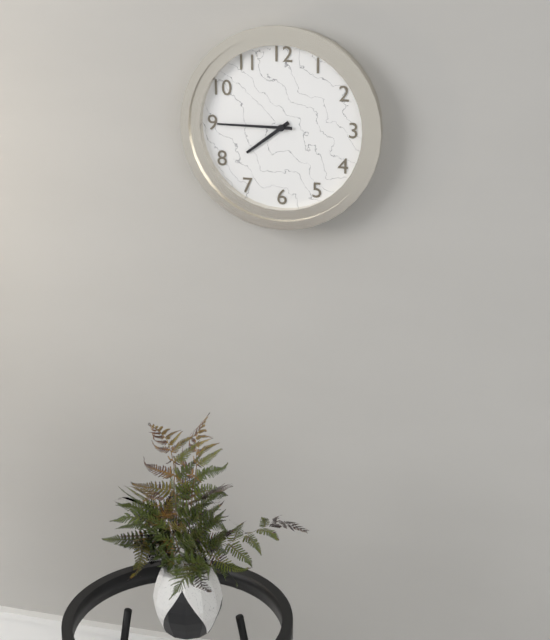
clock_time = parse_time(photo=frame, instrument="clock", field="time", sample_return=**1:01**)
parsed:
**7:45**
